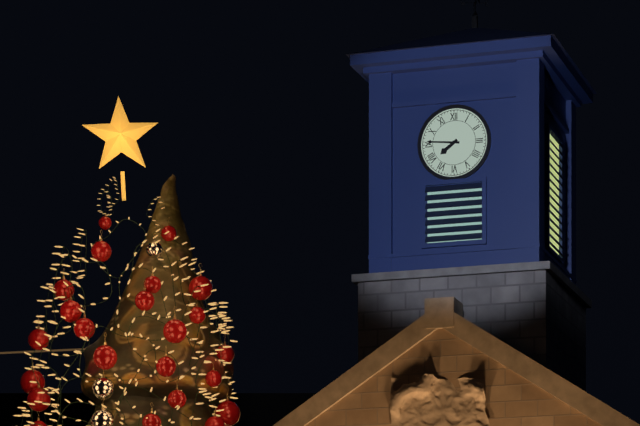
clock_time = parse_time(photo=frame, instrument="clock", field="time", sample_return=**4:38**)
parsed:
**7:46**
